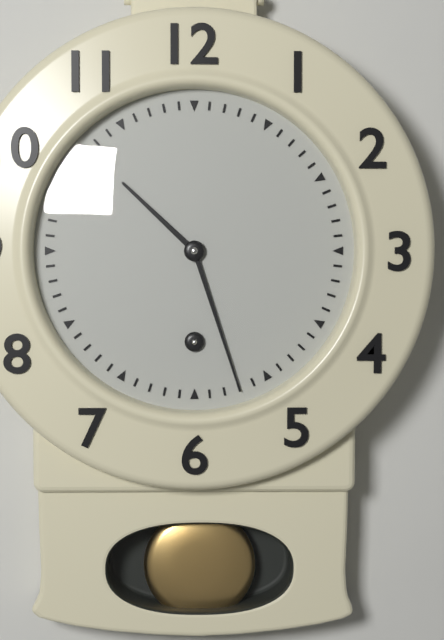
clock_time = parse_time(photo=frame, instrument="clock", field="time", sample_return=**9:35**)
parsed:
**10:27**
